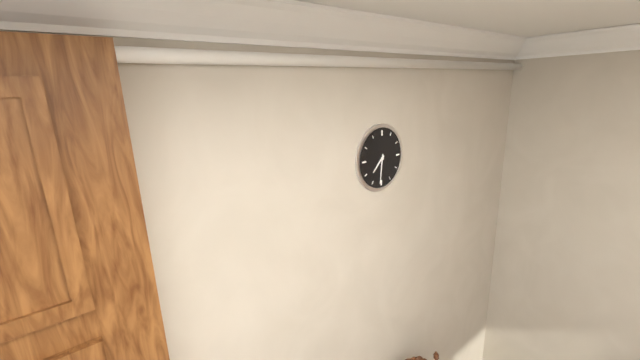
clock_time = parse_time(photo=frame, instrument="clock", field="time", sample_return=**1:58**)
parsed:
**7:31**
